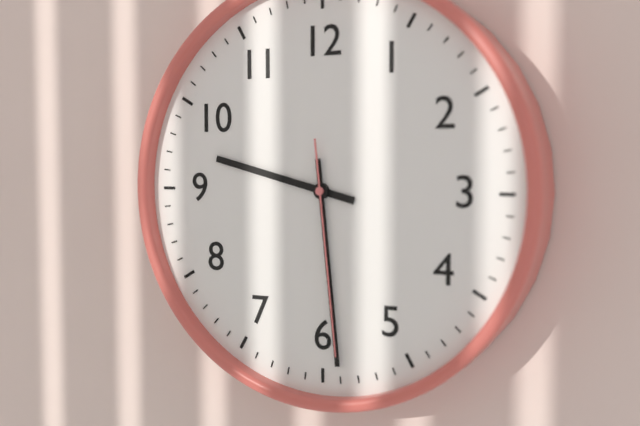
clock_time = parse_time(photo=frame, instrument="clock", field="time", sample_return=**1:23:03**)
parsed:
**9:29:29**
